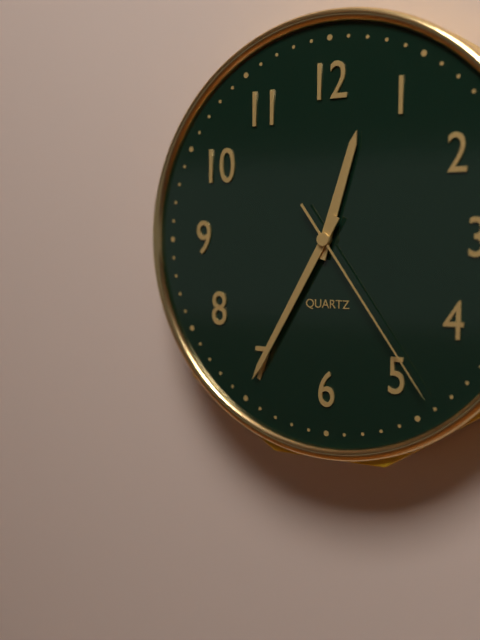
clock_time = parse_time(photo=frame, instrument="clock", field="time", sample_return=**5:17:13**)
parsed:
**12:35:24**
